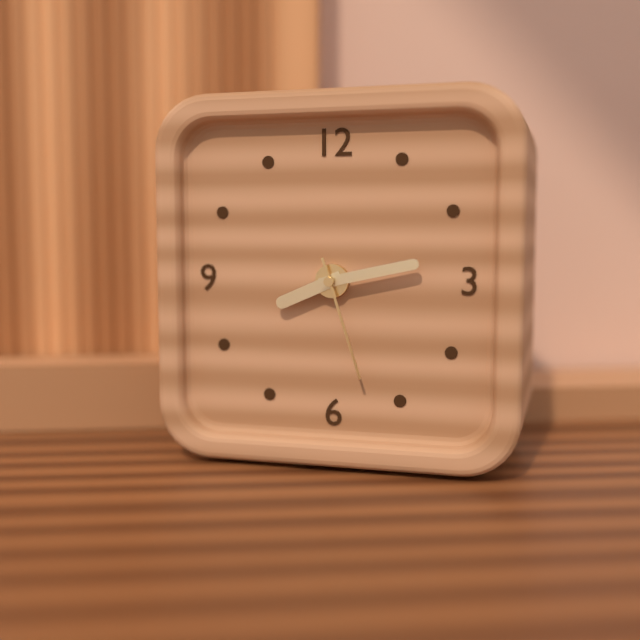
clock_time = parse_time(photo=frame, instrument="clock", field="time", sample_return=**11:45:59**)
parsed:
**8:13:27**
